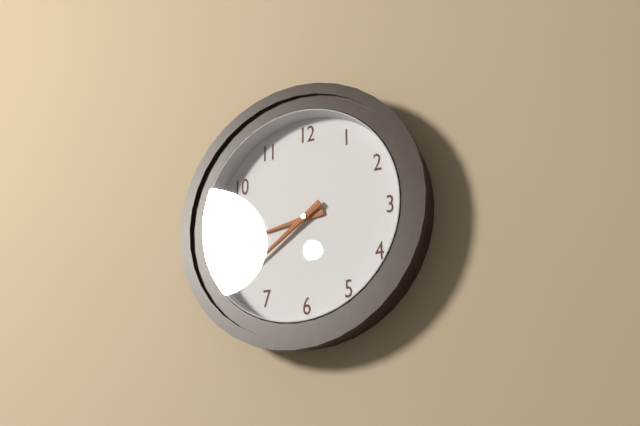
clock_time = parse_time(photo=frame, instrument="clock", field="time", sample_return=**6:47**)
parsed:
**8:39**
